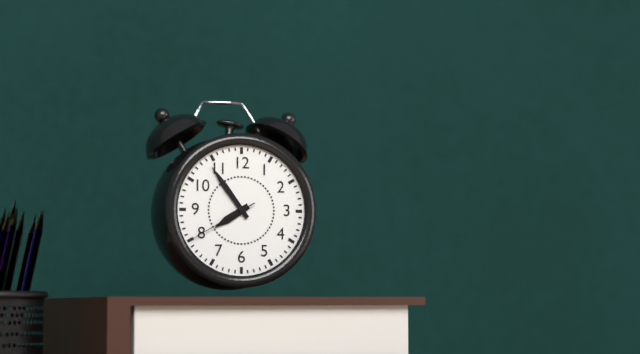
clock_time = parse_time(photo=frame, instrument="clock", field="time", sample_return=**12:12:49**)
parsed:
**7:54:40**
